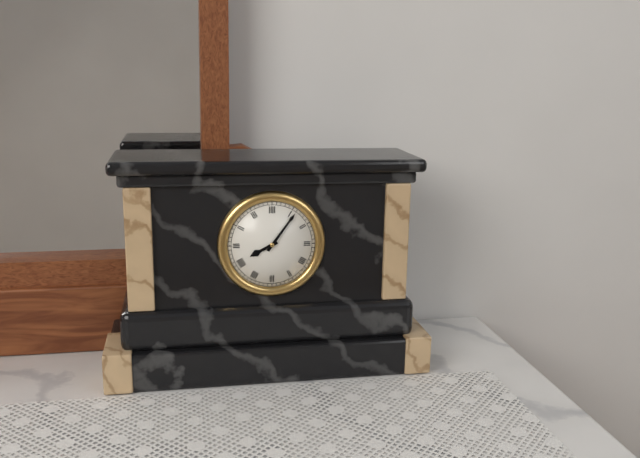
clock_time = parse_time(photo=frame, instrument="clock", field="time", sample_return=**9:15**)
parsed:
**8:06**
